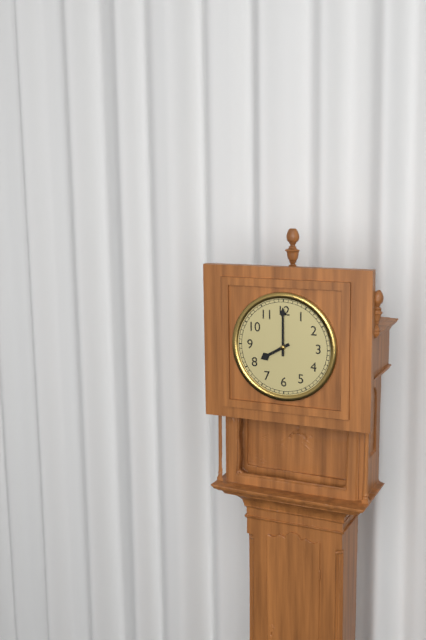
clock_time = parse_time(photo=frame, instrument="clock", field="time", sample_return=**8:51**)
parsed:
**8:00**
